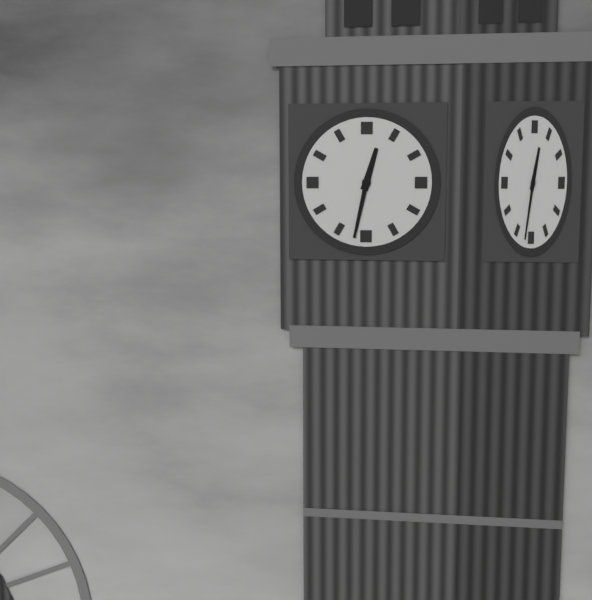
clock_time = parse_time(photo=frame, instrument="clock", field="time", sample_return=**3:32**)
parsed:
**12:32**
